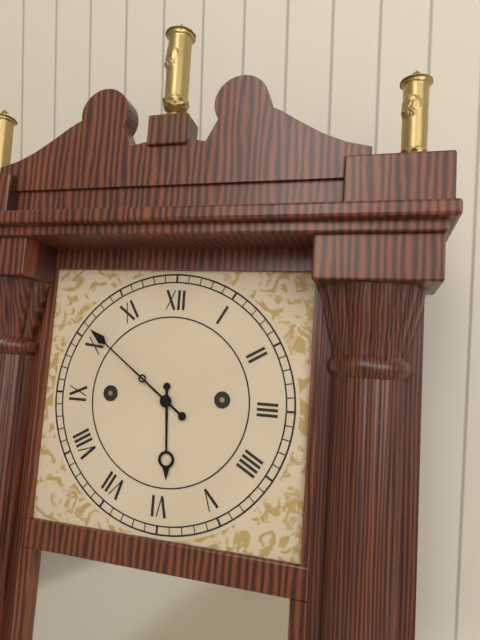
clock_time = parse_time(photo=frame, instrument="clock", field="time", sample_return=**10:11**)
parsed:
**5:51**
